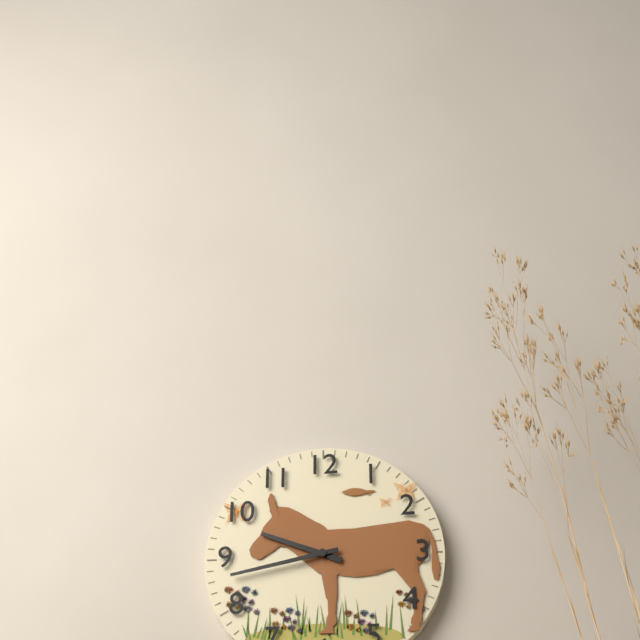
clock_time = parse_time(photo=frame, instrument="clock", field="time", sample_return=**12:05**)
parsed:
**9:43**
